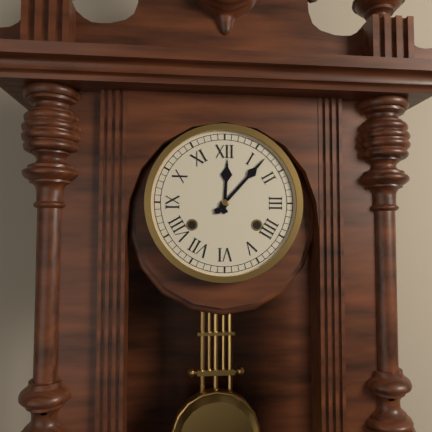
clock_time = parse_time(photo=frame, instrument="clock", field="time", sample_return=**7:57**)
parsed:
**12:07**
